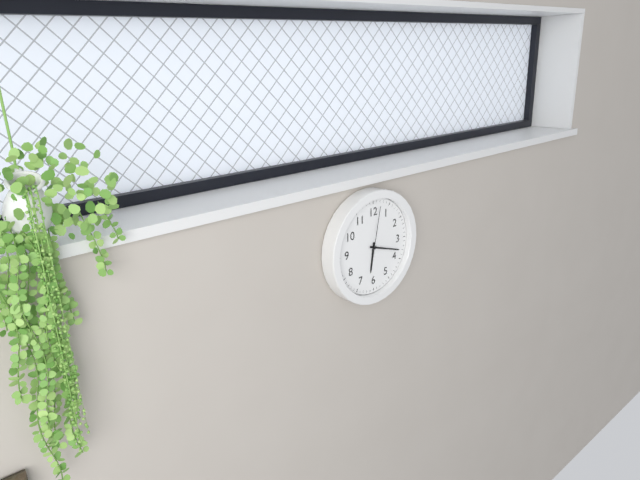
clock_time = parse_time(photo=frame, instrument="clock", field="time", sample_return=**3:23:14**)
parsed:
**6:18:02**
